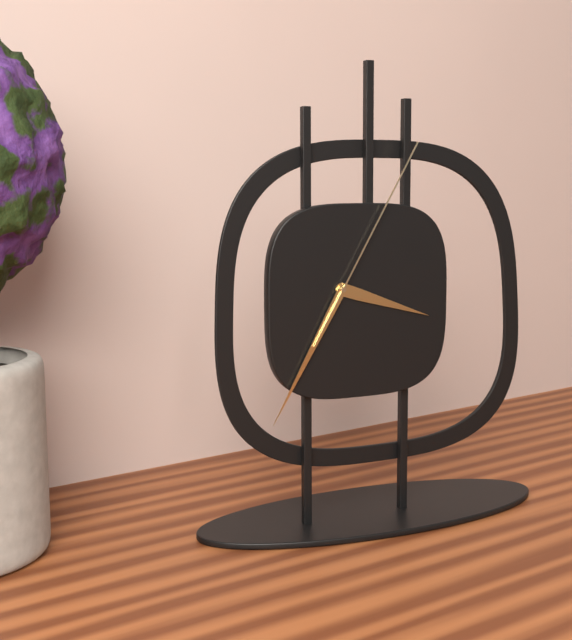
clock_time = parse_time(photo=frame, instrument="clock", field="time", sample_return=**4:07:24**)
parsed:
**3:35:05**
